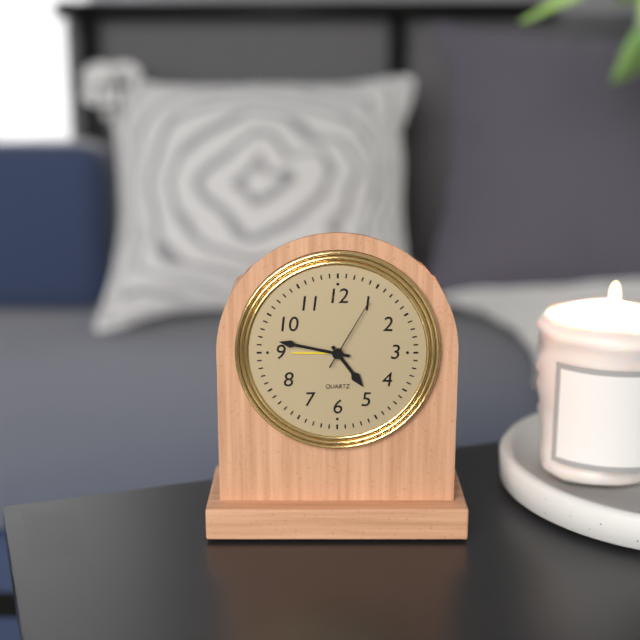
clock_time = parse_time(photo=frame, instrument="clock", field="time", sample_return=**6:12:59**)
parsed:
**4:47:05**
